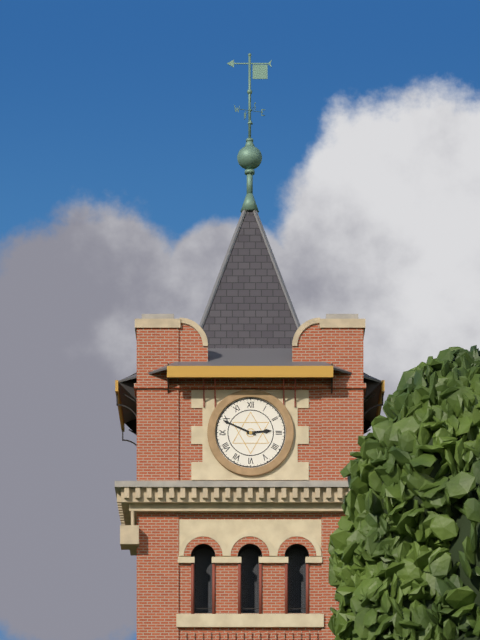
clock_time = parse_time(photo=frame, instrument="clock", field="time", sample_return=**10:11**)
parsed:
**2:49**
